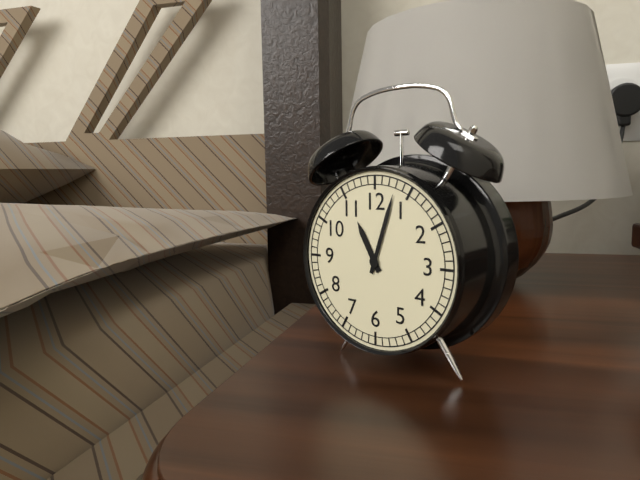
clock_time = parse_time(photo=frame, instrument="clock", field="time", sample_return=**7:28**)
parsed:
**11:03**
